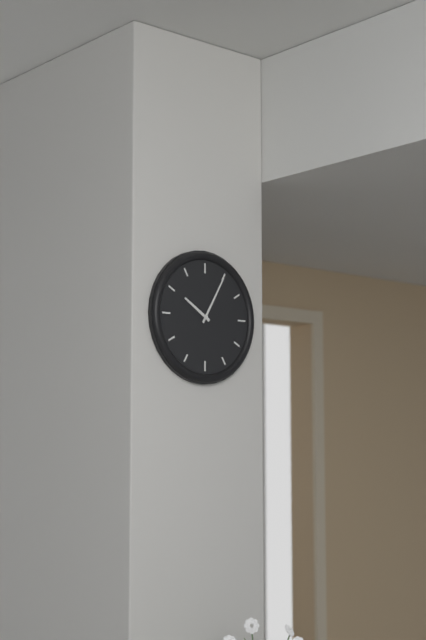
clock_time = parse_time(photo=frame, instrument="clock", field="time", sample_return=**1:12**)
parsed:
**10:05**
